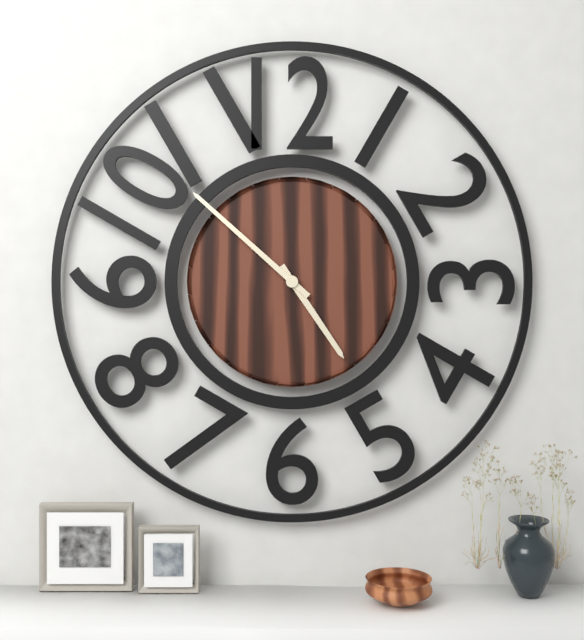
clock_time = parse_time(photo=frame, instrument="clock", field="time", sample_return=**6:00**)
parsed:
**4:52**
